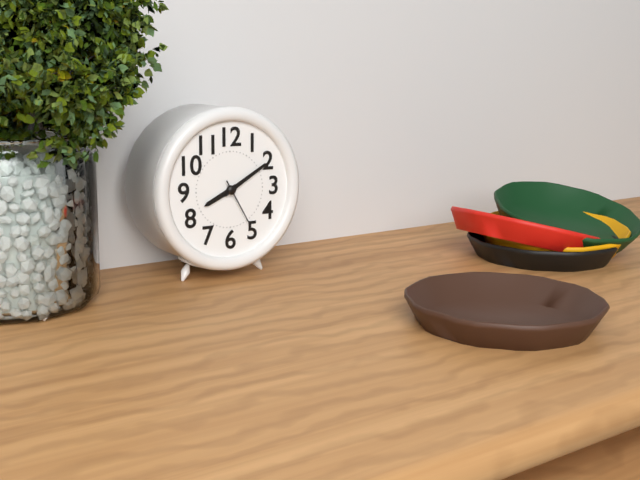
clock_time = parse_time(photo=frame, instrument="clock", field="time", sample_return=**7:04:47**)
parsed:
**8:10:25**
